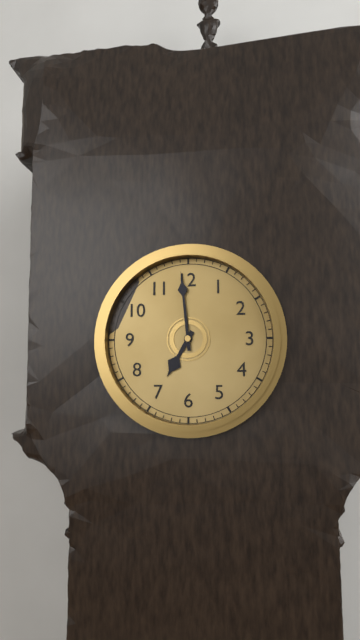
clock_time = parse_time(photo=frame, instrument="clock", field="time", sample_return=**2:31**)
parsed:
**6:59**
